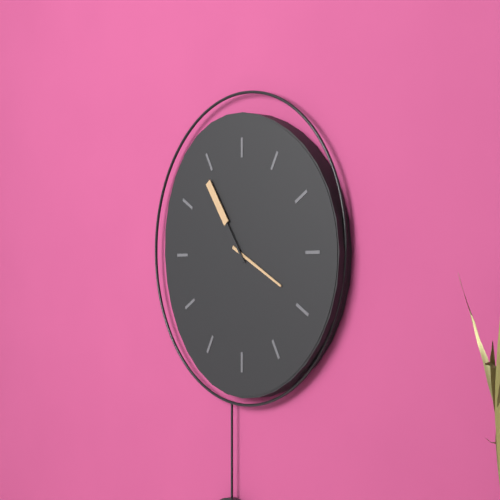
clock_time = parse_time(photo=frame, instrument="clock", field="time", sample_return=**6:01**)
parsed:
**3:54**
